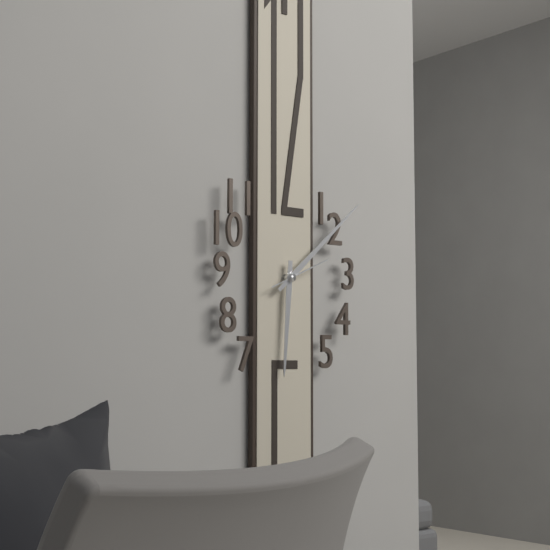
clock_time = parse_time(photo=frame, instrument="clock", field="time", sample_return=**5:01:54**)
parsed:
**6:08:11**
